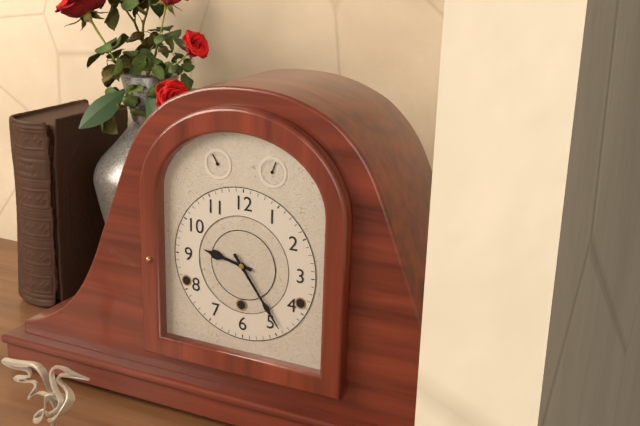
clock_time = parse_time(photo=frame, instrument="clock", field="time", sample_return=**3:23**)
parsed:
**9:24**
